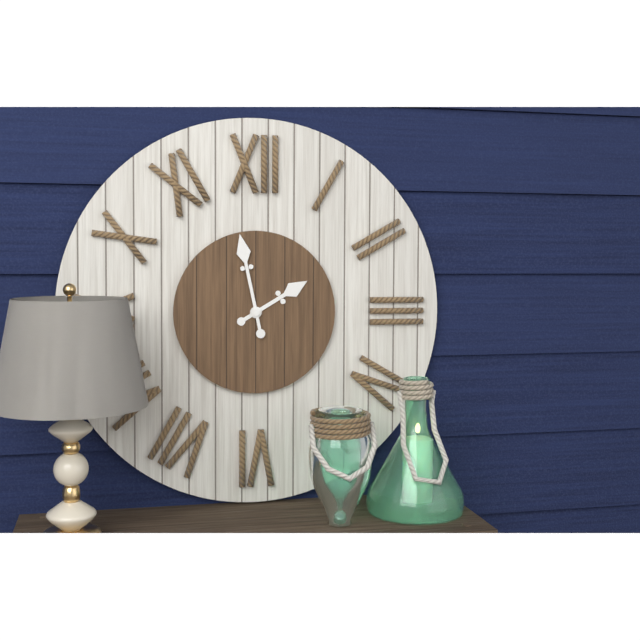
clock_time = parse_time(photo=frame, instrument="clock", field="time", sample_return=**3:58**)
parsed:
**1:58**
